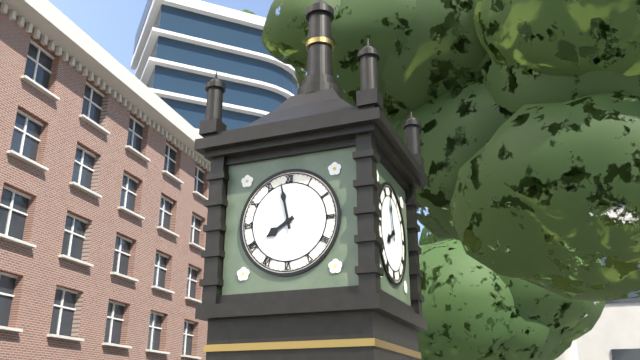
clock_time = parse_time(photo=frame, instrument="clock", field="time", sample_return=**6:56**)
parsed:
**7:58**
